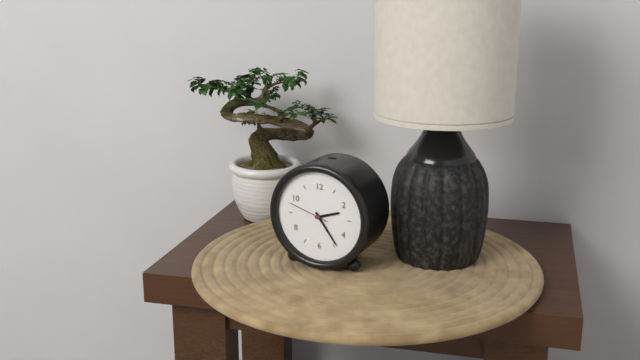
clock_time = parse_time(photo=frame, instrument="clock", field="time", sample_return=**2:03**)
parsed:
**2:24**
